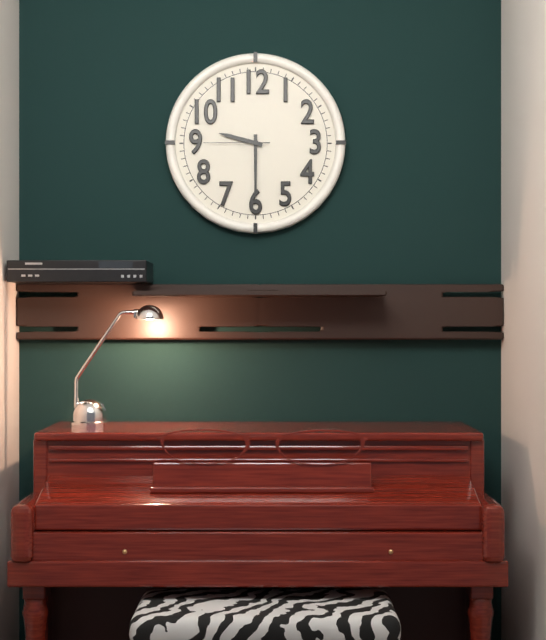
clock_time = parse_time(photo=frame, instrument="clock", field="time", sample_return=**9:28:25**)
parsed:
**9:30:45**
